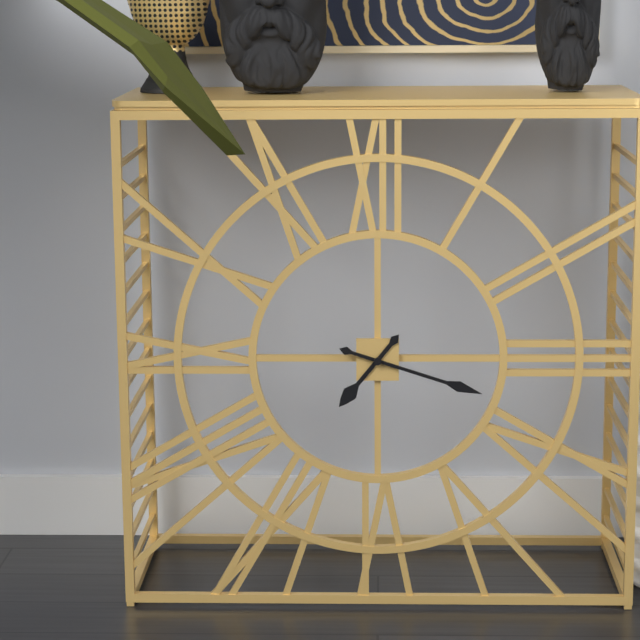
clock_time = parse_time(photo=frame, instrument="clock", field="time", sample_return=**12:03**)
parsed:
**7:18**
